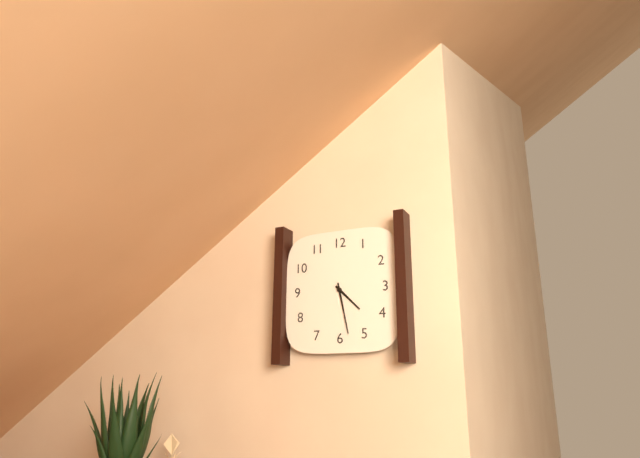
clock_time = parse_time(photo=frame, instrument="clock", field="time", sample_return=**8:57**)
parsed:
**4:28**
